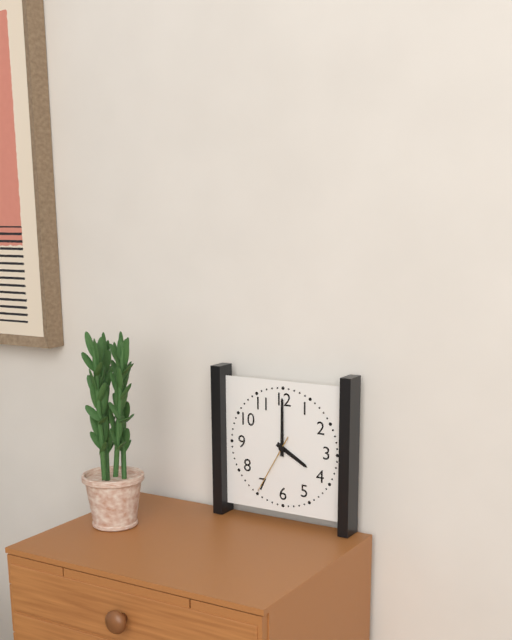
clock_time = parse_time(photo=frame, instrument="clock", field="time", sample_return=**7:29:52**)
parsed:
**4:00:35**
